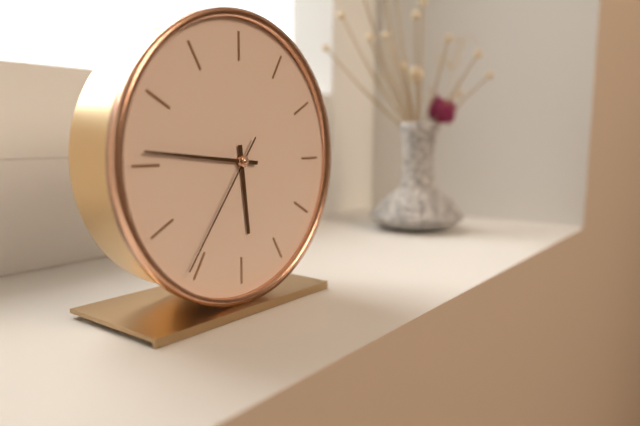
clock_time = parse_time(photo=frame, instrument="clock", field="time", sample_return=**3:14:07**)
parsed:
**5:46:36**
